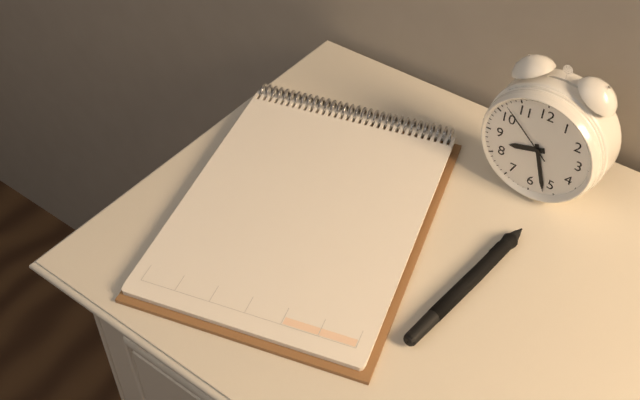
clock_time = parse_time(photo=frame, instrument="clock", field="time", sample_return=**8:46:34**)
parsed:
**8:27:52**
